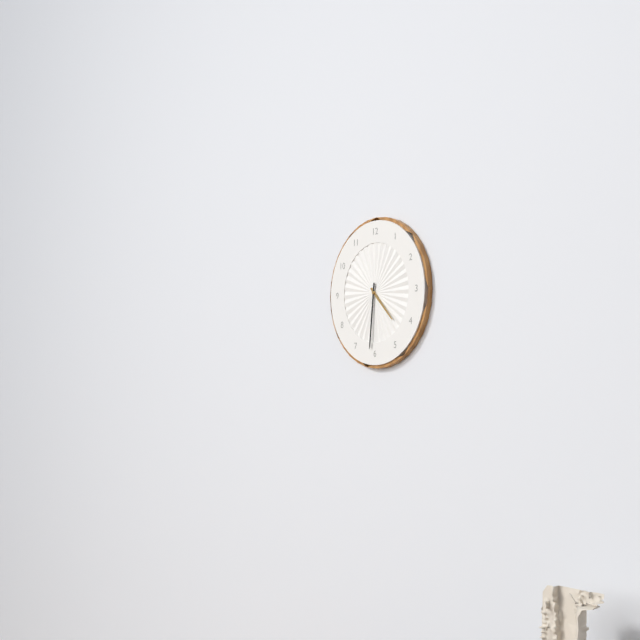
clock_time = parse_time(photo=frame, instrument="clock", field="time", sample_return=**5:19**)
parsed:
**4:31**
